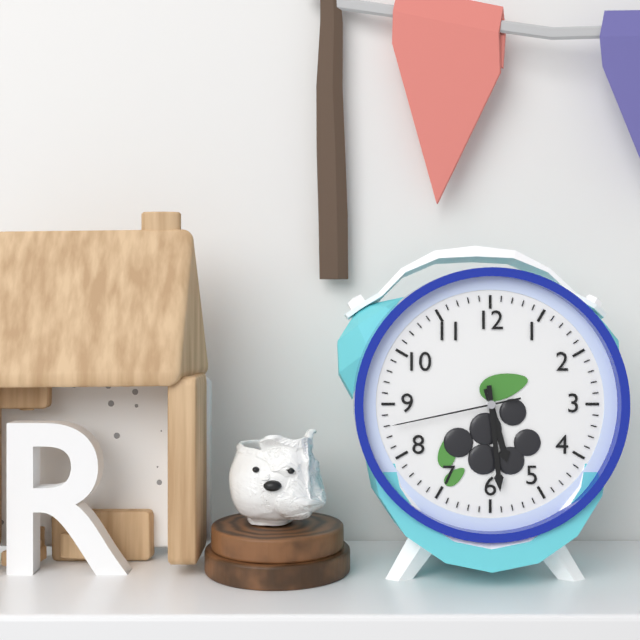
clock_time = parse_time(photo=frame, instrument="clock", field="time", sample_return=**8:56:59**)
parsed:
**5:29:43**
